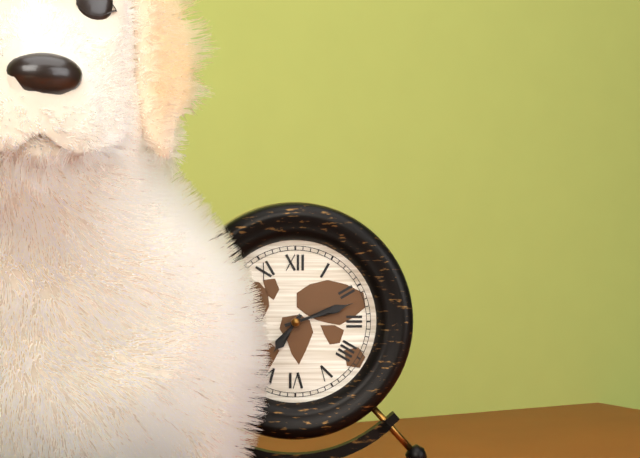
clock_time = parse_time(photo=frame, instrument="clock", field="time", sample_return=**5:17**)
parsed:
**7:12**
